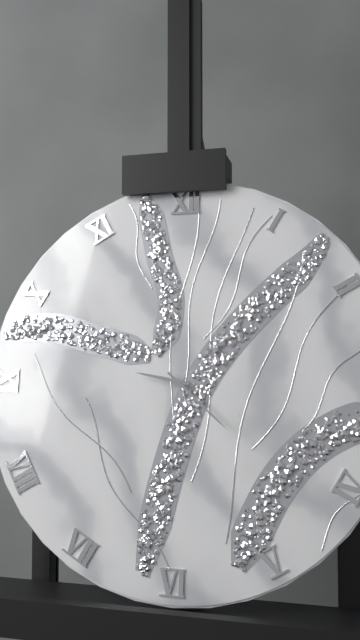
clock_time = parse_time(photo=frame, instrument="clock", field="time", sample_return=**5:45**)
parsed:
**9:22**
